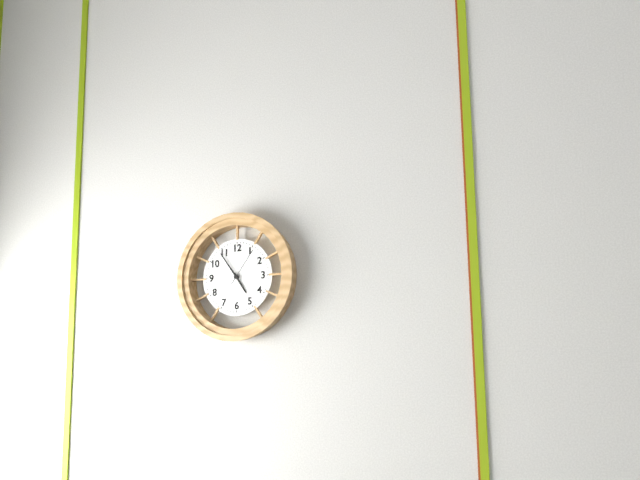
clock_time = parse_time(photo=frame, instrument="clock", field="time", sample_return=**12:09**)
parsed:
**4:54**
